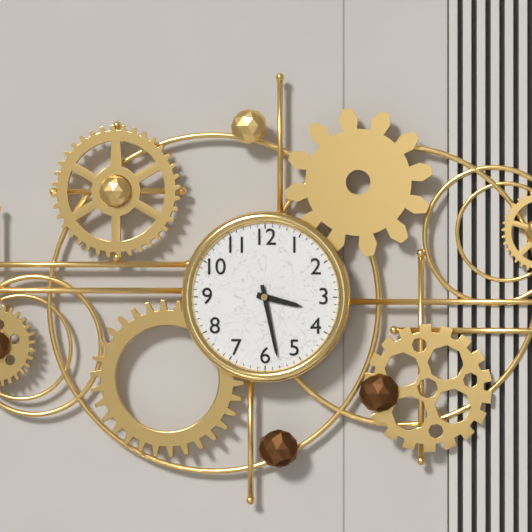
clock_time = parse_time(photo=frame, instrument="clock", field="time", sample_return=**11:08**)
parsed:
**3:28**
